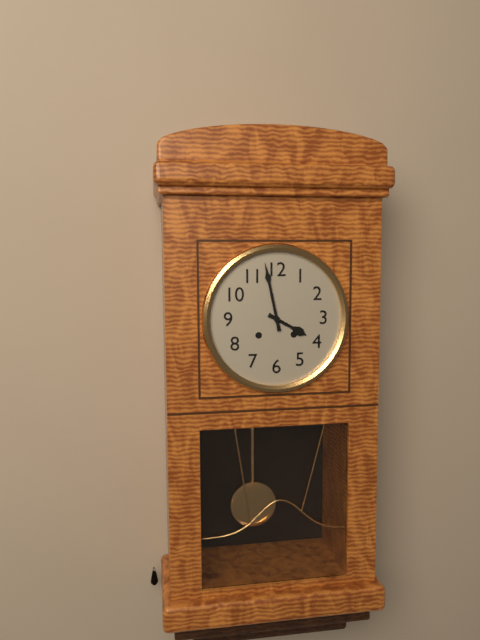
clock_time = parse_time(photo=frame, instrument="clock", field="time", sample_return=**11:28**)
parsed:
**3:58**
